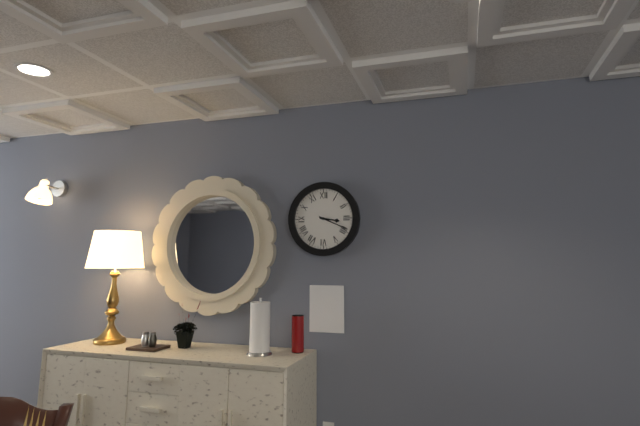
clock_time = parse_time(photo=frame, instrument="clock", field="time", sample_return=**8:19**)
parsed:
**3:19**
